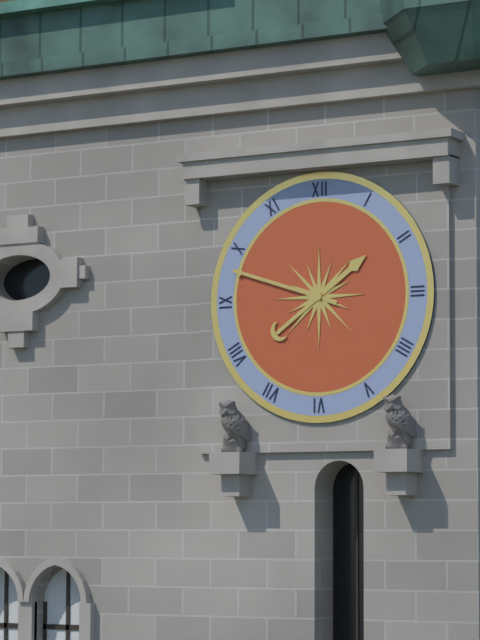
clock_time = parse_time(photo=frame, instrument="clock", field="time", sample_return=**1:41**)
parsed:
**1:48**
